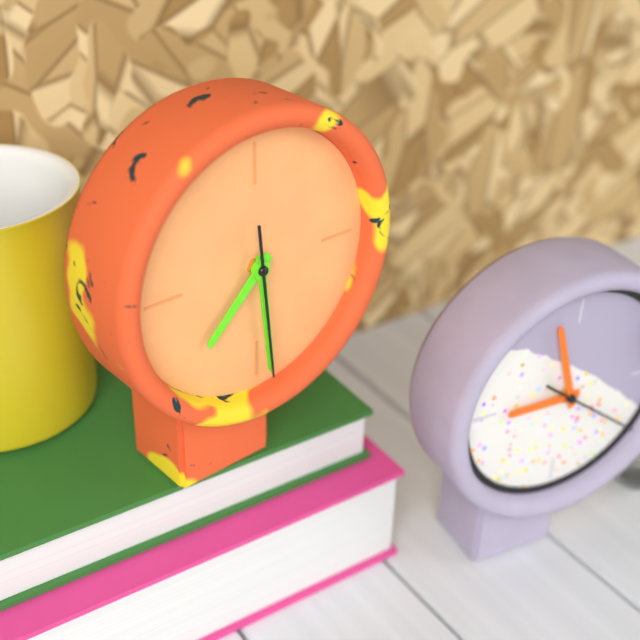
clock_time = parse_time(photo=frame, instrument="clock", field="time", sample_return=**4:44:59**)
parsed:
**7:29:29**
